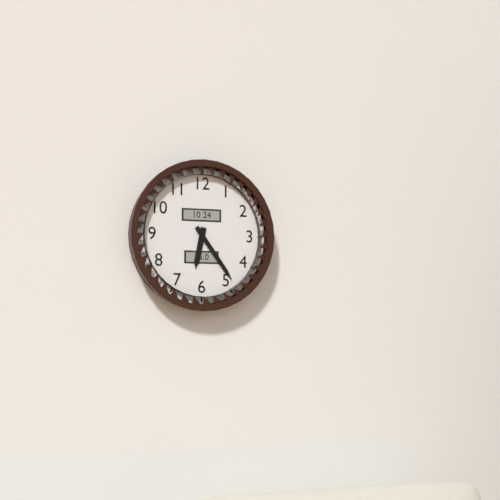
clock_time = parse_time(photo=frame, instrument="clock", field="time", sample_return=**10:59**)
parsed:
**6:24**
